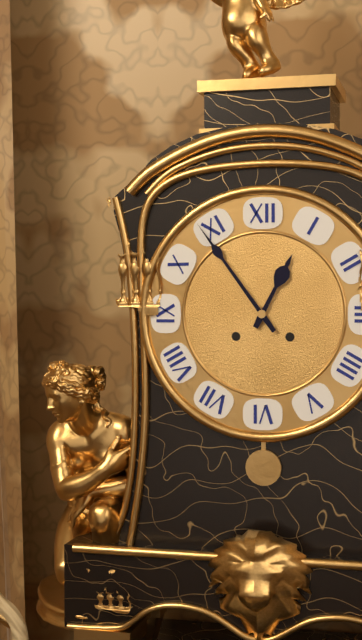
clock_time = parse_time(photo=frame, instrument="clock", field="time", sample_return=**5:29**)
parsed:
**12:54**
